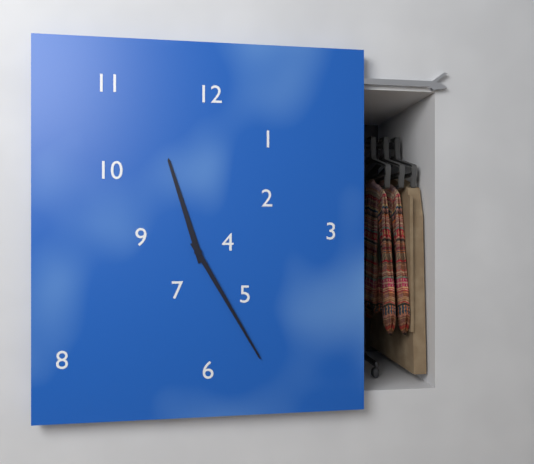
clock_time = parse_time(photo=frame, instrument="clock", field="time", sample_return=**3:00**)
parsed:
**11:25**
